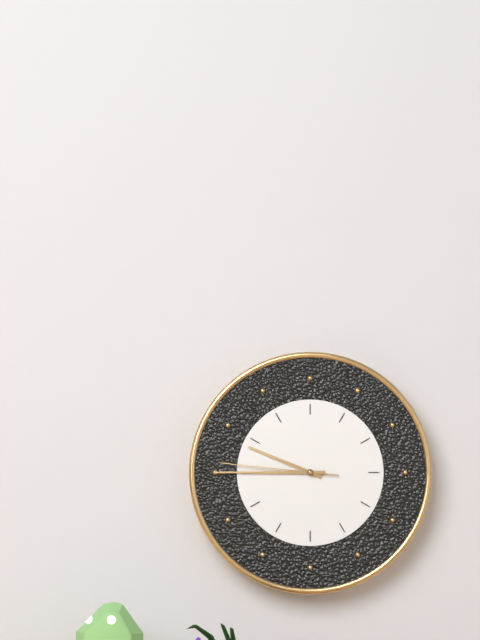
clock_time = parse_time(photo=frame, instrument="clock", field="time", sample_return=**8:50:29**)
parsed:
**9:45:46**
